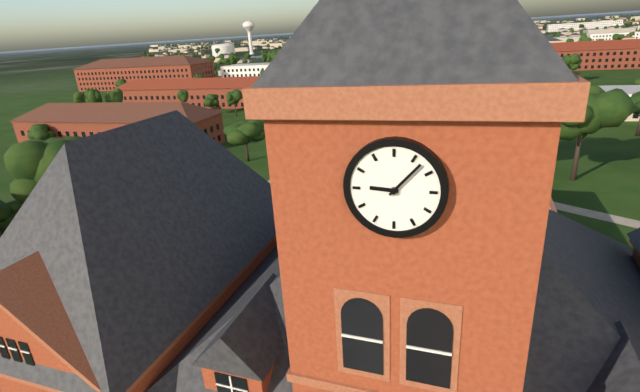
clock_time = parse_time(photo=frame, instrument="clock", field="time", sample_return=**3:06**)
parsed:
**9:07**
